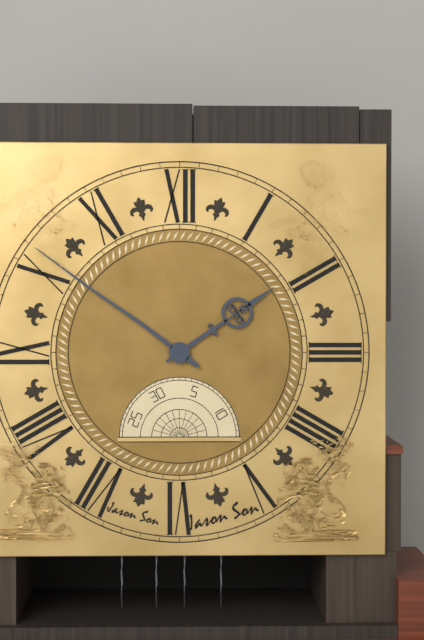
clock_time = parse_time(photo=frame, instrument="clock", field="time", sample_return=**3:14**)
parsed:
**1:51**
